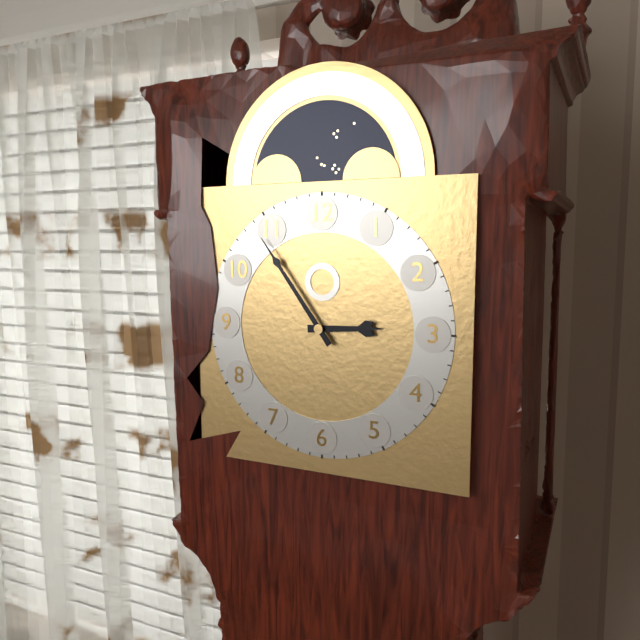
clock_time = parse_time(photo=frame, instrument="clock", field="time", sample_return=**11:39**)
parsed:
**2:54**
